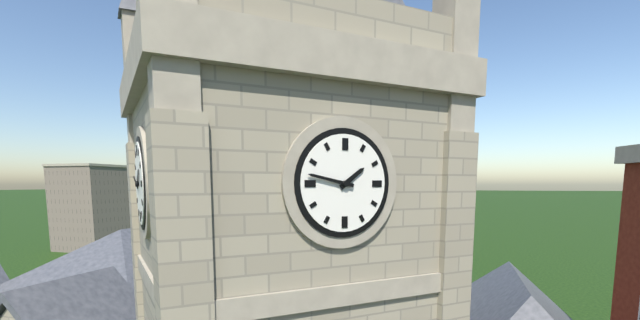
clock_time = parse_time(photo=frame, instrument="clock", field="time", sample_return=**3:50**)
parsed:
**1:47**
